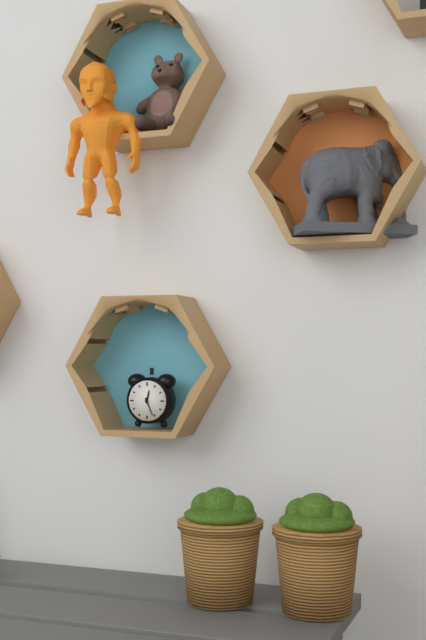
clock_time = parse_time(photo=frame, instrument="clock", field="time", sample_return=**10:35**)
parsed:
**12:26**
